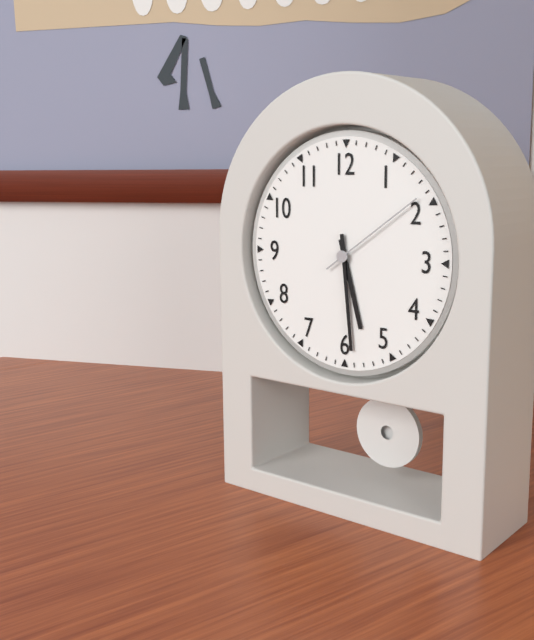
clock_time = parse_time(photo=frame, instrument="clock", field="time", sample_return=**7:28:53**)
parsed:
**5:29:09**
